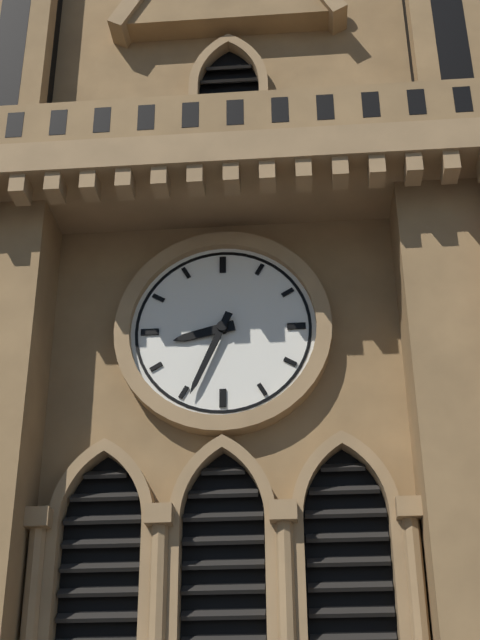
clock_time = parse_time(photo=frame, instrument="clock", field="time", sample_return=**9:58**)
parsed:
**8:34**
